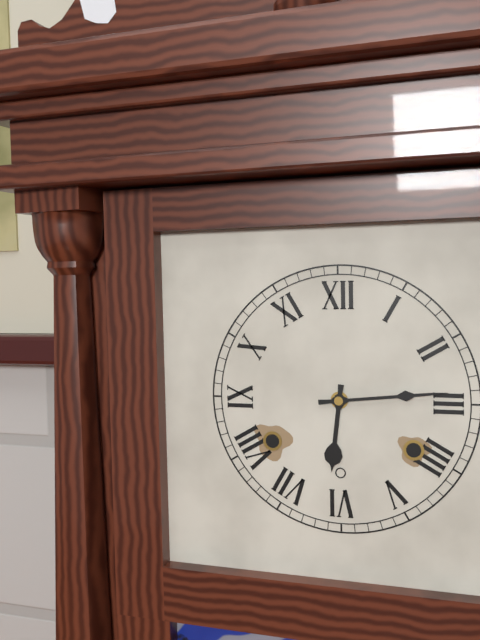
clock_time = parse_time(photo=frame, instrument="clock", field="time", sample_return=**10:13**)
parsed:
**6:14**
